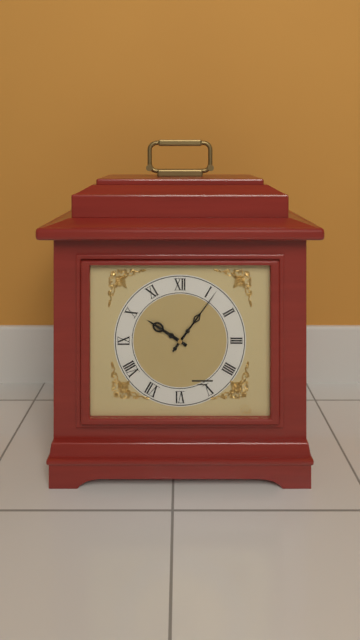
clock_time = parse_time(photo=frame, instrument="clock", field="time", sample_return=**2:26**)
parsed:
**10:06**
